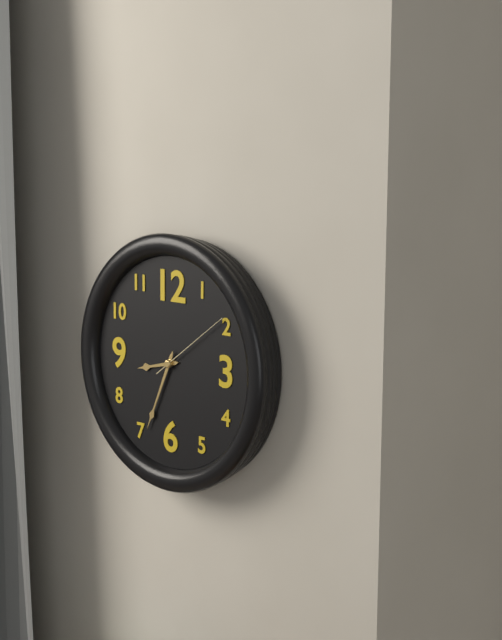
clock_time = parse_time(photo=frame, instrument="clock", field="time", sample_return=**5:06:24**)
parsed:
**8:34:09**
